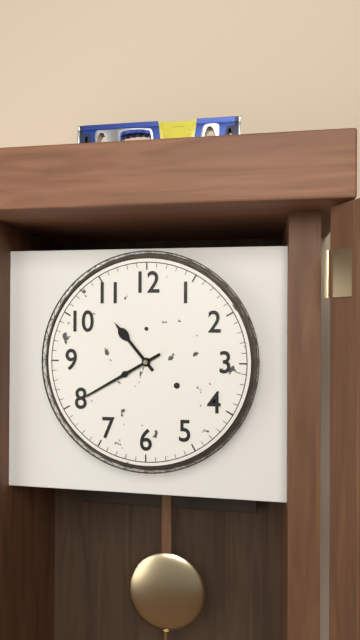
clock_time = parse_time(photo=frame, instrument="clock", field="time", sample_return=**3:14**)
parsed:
**10:40**
